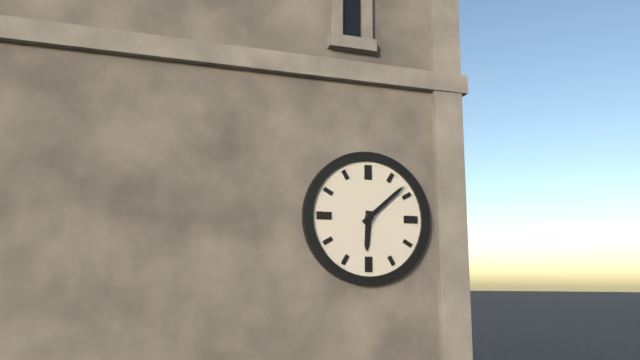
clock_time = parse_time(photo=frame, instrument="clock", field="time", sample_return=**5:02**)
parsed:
**6:08**
